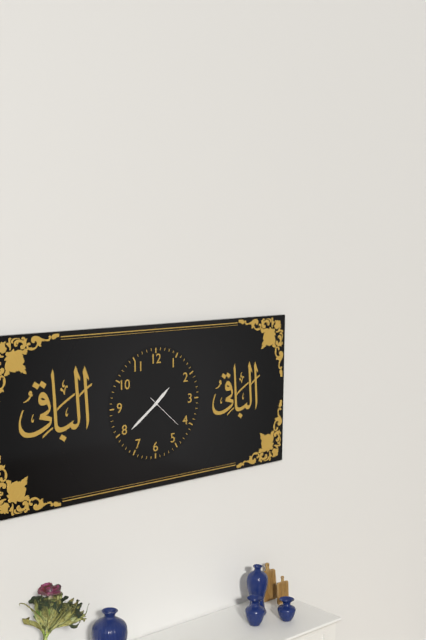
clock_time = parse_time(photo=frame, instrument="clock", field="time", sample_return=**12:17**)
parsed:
**1:39**
